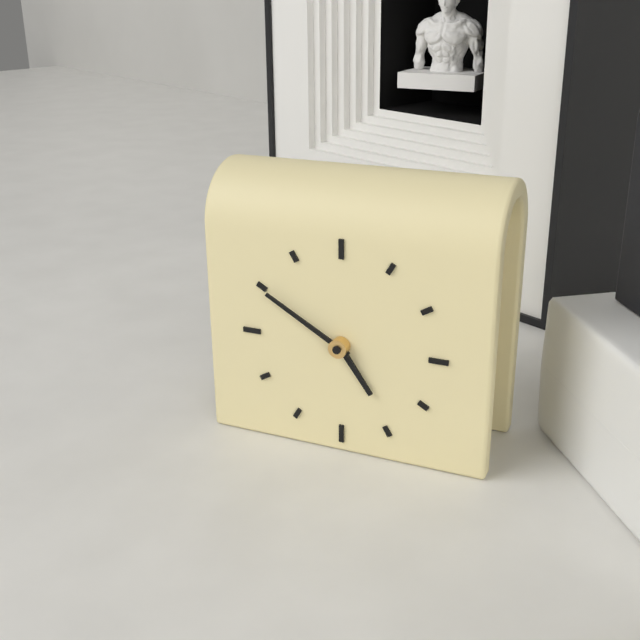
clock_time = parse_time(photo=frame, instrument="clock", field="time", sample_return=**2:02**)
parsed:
**4:50**
